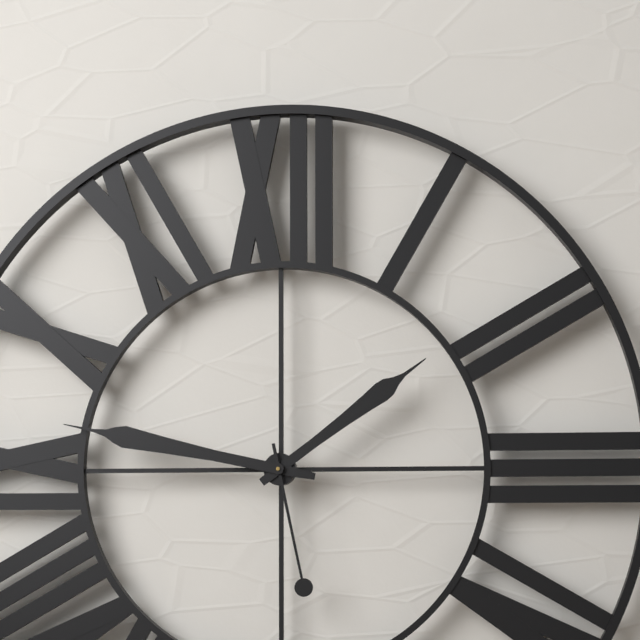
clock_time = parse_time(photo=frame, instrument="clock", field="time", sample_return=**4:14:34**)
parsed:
**1:47:28**
